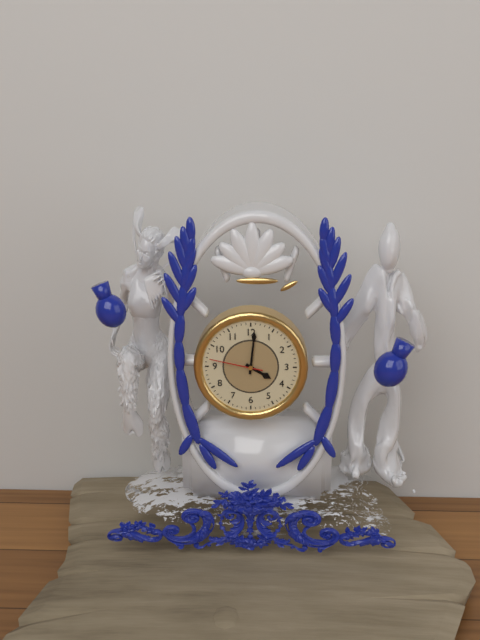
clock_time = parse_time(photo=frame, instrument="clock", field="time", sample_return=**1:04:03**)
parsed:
**4:01:47**
